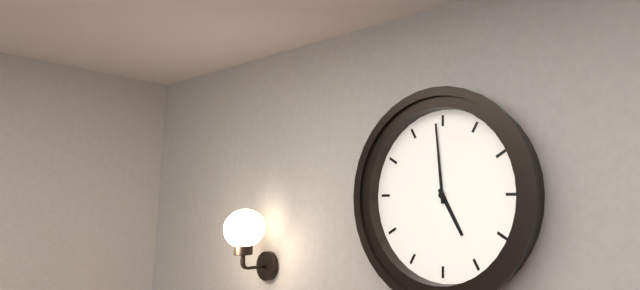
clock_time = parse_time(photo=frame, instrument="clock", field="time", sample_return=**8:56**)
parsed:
**4:59**
